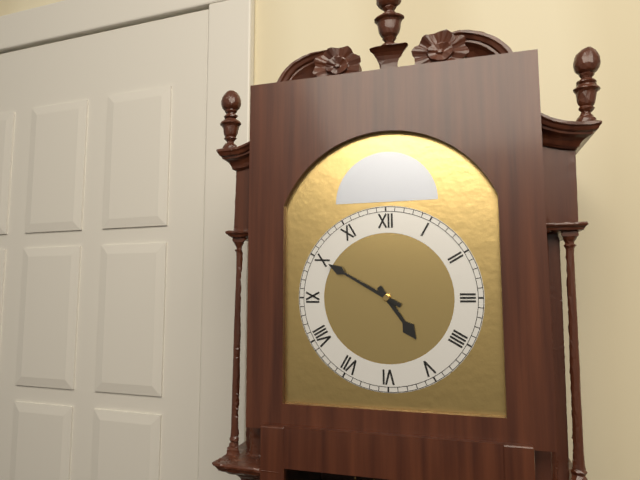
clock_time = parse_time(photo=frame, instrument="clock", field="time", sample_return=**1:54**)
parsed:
**4:50**
